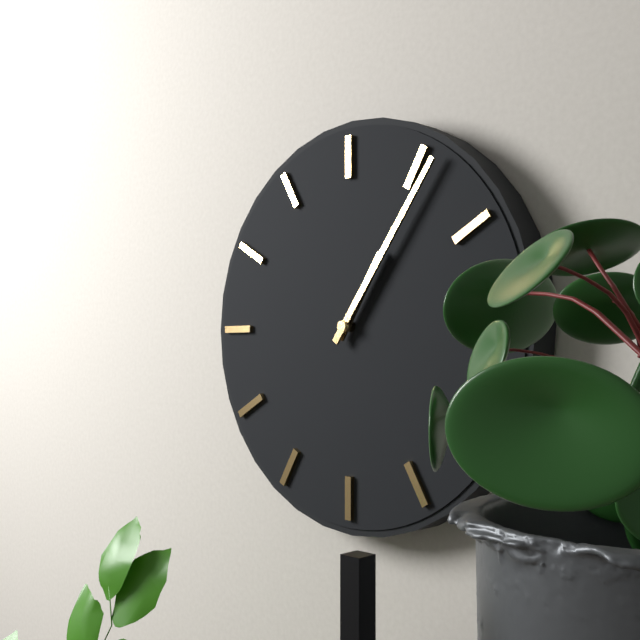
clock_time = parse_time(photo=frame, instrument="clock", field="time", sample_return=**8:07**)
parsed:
**1:06**
